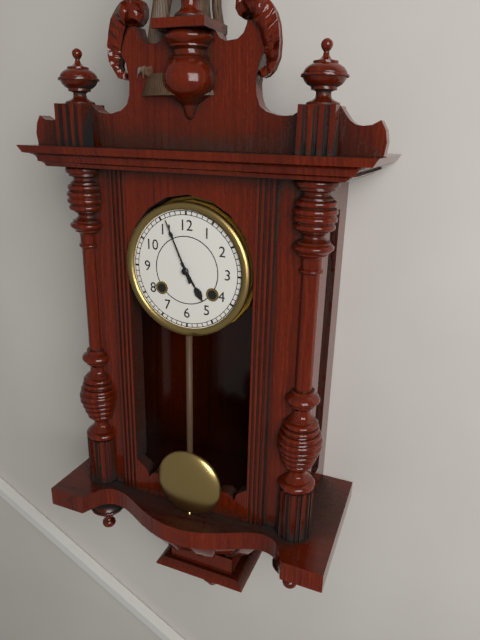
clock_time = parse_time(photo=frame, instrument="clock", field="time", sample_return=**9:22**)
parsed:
**4:56**
